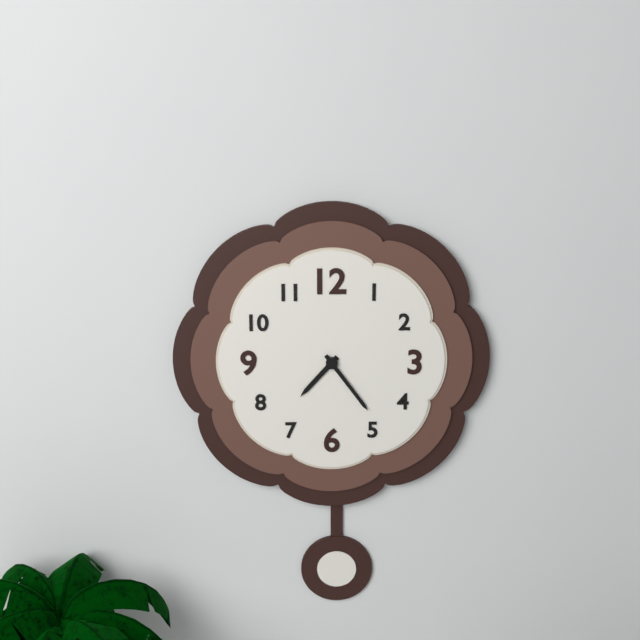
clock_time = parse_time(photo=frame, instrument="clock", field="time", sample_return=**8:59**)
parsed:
**7:24**
